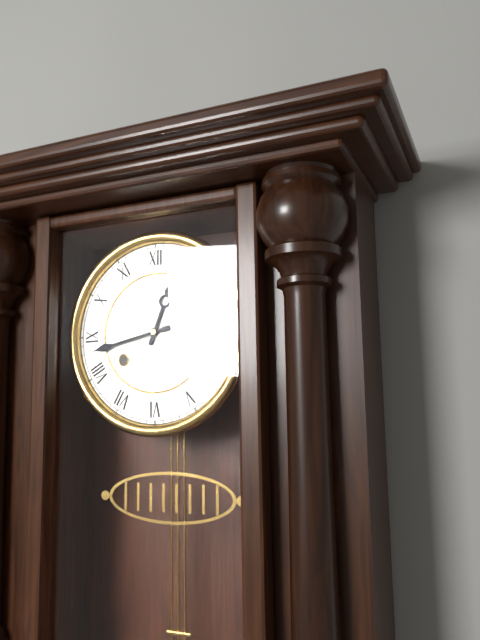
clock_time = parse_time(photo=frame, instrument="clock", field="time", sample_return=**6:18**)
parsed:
**12:43**
